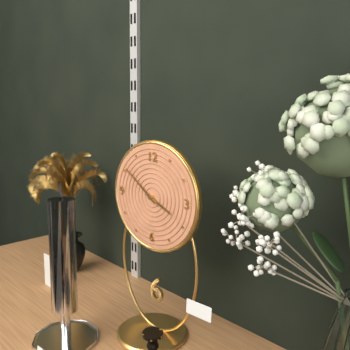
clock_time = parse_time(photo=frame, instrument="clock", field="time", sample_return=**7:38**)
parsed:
**3:51**
